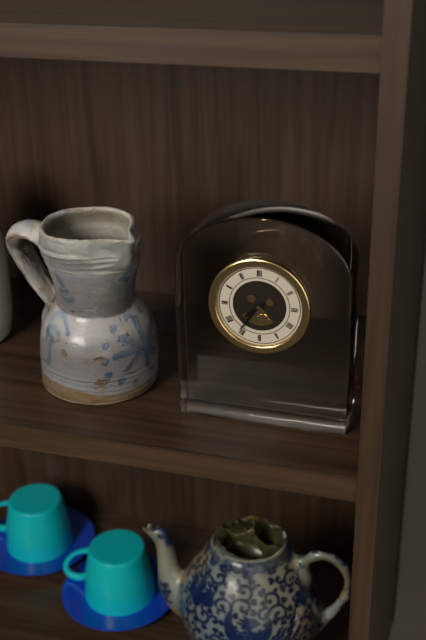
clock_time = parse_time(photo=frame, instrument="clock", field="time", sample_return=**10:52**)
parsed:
**7:36**
